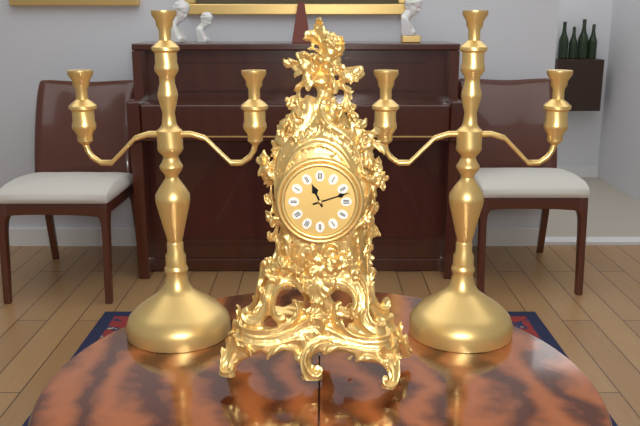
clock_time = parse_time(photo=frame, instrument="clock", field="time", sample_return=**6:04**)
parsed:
**11:12**
